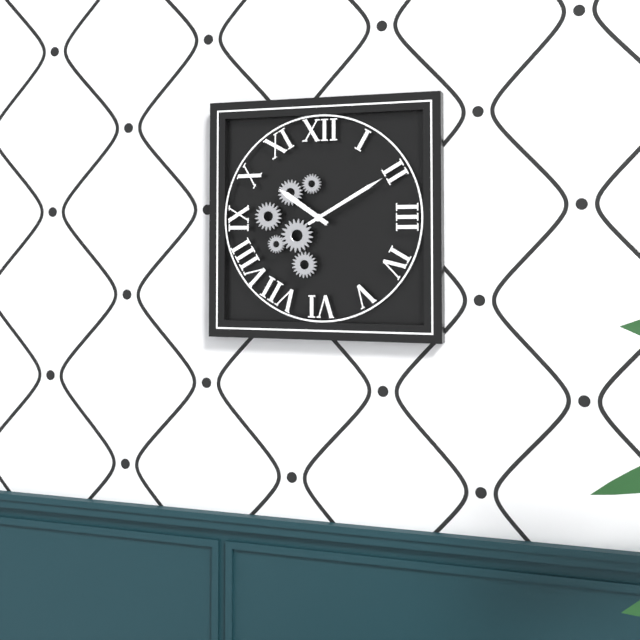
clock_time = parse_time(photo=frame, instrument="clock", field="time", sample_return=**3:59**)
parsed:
**10:10**
